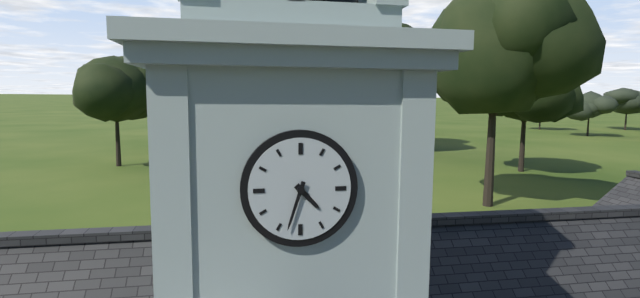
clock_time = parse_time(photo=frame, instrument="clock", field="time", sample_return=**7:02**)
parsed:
**4:33**
